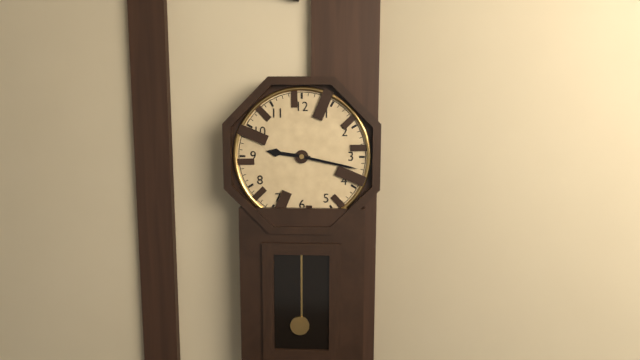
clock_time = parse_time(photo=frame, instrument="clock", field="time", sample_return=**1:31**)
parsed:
**9:17**
